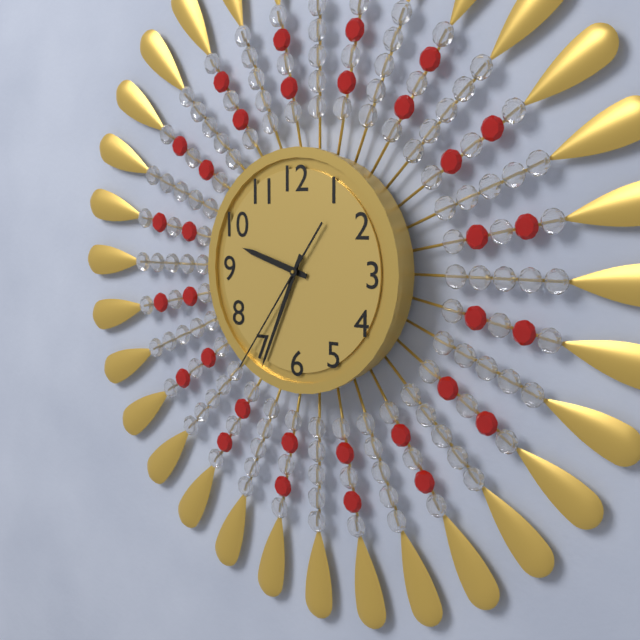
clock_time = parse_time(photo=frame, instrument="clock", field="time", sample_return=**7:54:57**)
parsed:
**9:34:36**
